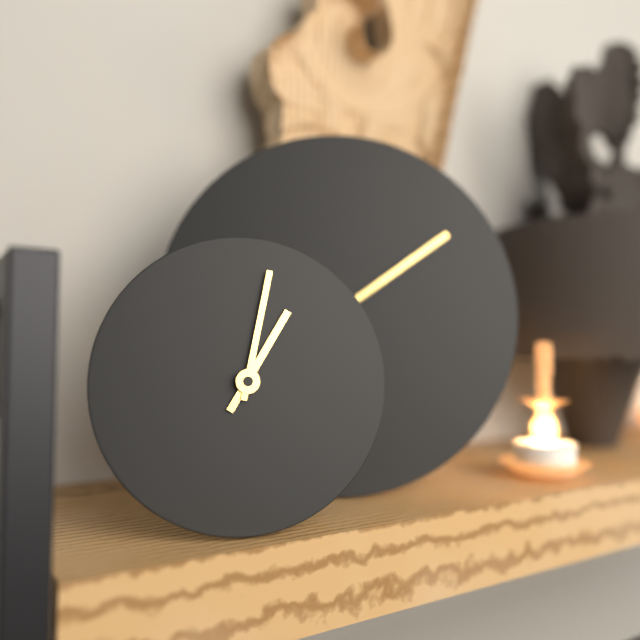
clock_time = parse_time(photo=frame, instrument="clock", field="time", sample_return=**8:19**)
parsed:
**1:02**
